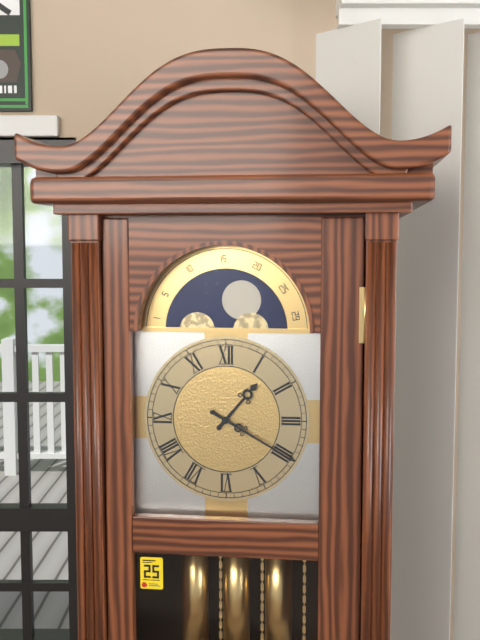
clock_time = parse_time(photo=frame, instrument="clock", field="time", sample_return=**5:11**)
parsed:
**1:20**
